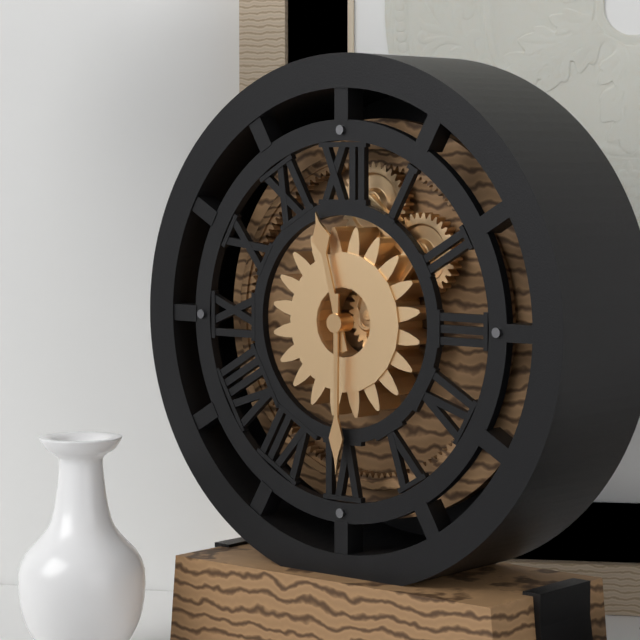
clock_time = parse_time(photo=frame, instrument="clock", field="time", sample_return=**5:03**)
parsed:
**11:30**
